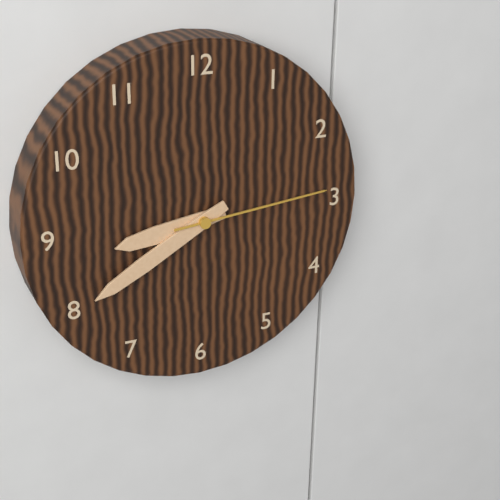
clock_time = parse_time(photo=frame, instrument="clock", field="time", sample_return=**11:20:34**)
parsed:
**8:40:14**
